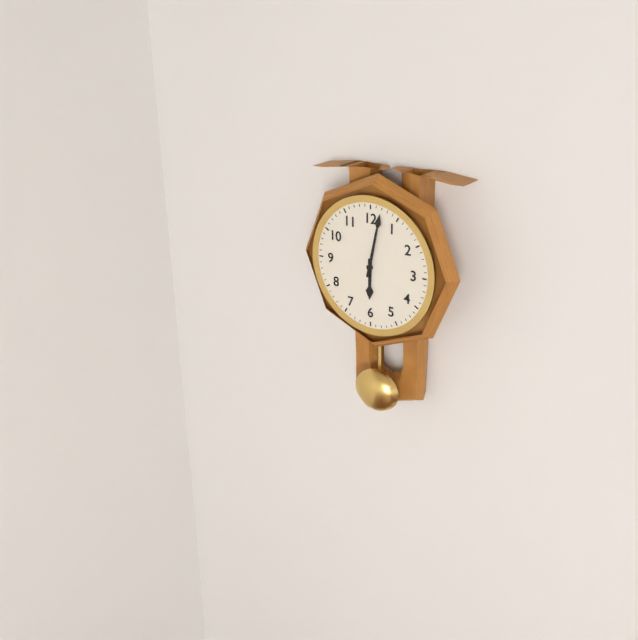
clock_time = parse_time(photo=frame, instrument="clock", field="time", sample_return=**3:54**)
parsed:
**6:02**
